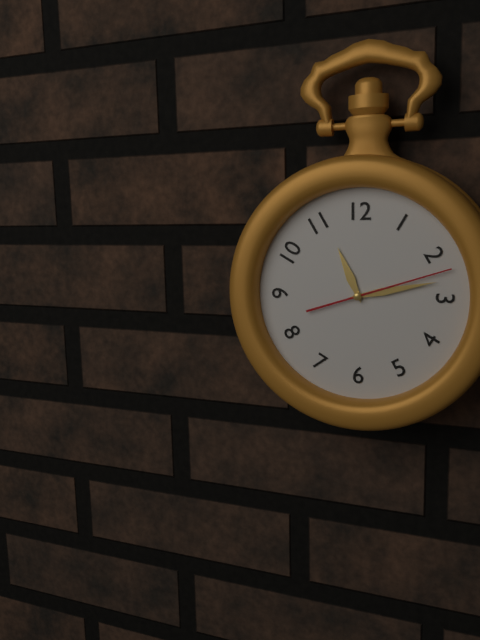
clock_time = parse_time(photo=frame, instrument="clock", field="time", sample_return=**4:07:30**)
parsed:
**11:13:12**
